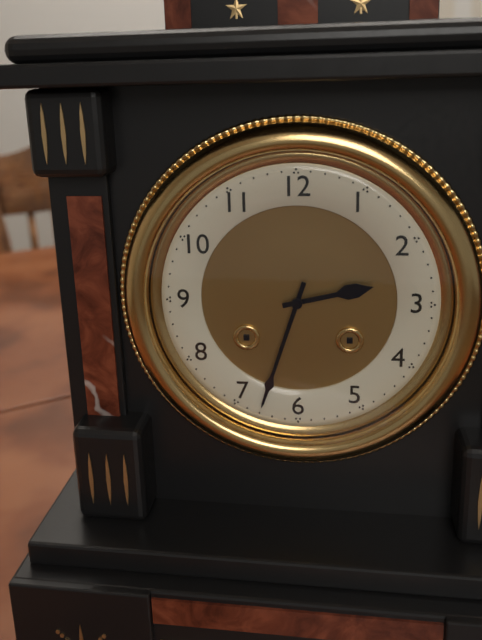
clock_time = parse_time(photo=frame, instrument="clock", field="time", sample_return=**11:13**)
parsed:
**2:33**
